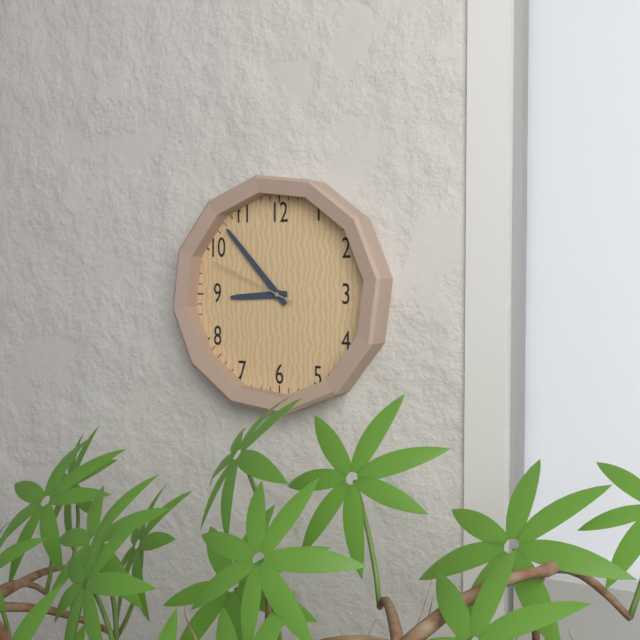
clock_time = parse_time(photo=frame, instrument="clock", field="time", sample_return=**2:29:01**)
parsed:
**8:53:49**
